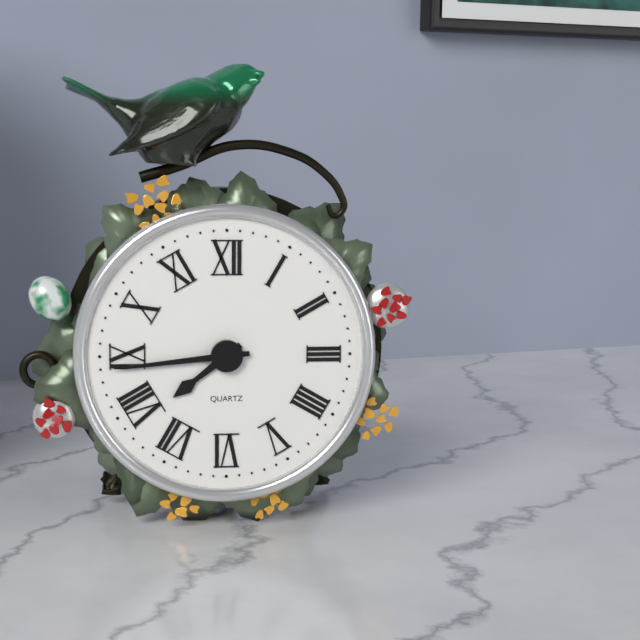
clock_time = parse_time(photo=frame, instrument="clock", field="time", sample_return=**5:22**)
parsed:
**7:44**
